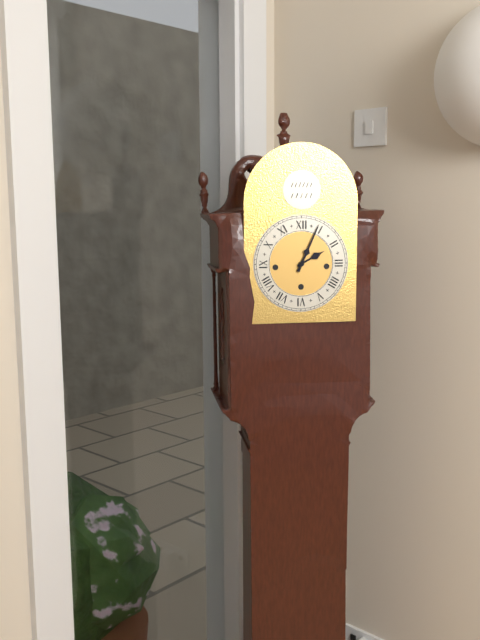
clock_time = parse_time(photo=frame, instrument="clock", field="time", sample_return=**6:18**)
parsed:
**2:04**
